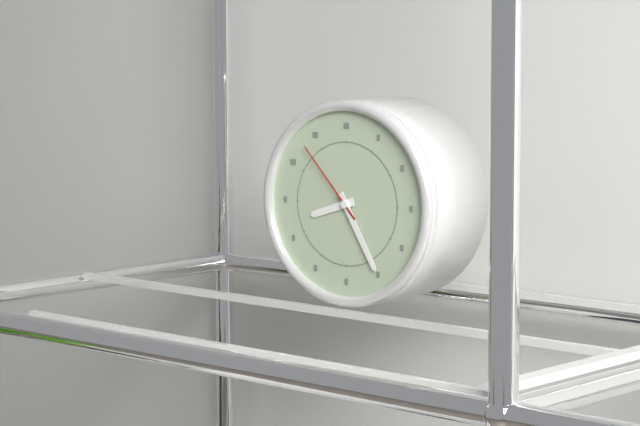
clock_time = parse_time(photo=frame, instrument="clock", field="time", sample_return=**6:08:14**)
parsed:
**8:25:53**
